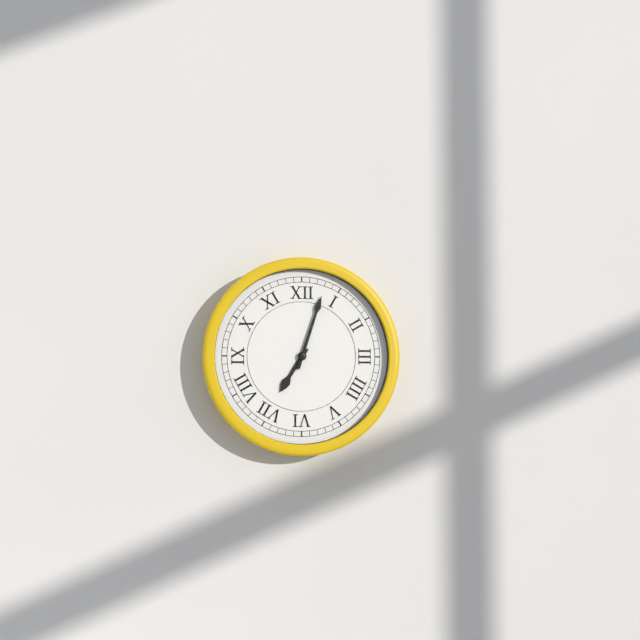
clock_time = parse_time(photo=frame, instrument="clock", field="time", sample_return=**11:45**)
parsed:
**7:03**
